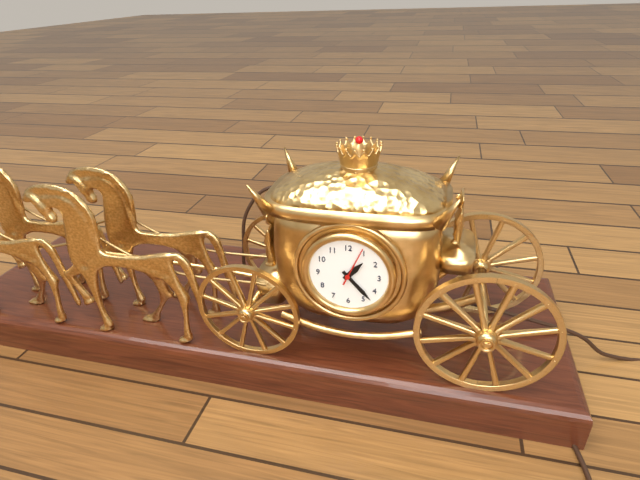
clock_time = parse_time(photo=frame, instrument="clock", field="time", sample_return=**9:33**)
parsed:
**1:23**
